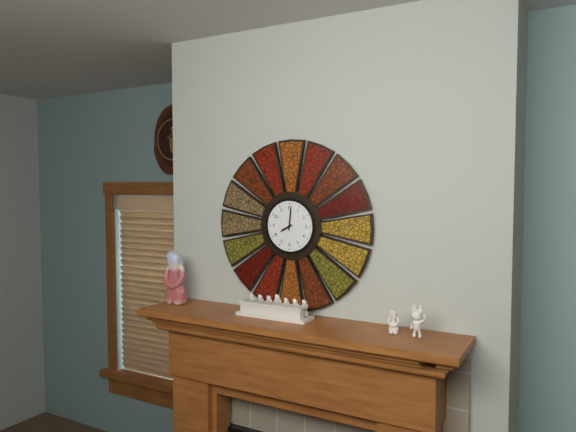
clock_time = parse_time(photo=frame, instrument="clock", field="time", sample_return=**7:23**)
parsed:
**8:01**
